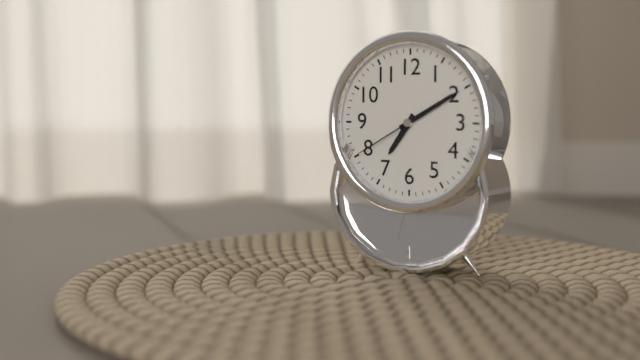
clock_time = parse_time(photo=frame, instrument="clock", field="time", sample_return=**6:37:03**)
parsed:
**7:10:40**
